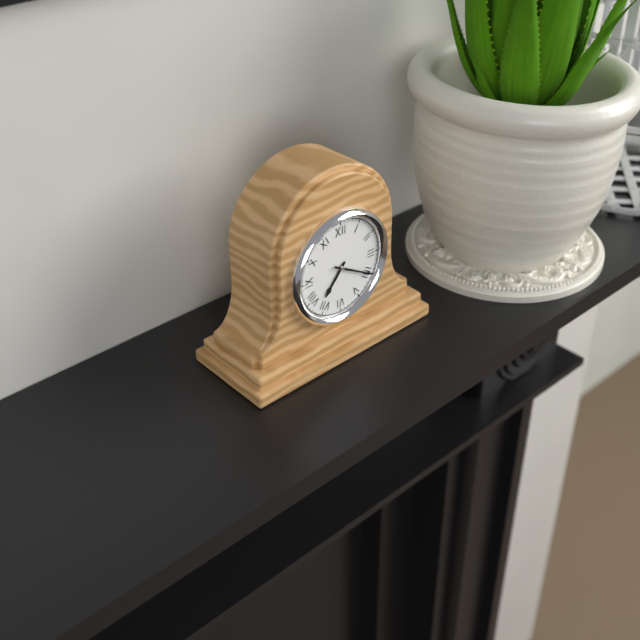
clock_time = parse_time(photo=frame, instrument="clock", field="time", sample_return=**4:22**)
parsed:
**7:20**
